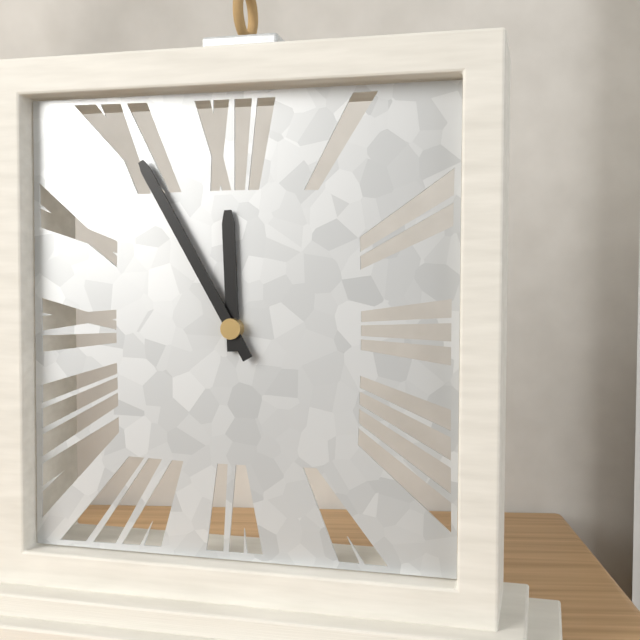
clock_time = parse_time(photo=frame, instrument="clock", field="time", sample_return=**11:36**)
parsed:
**11:55**
